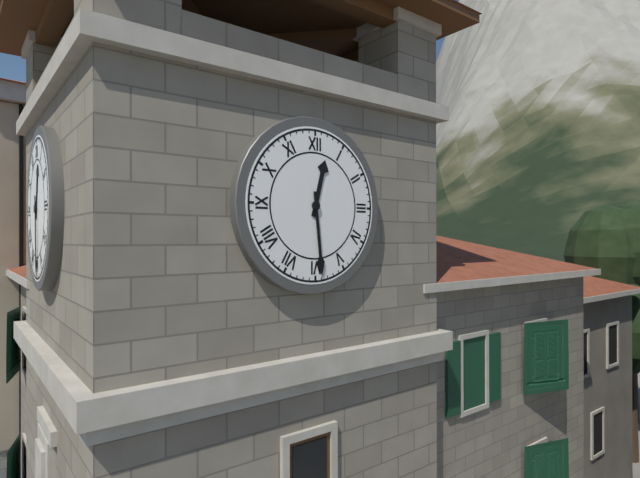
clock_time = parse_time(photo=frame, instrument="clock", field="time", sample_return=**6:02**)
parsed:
**12:29**
